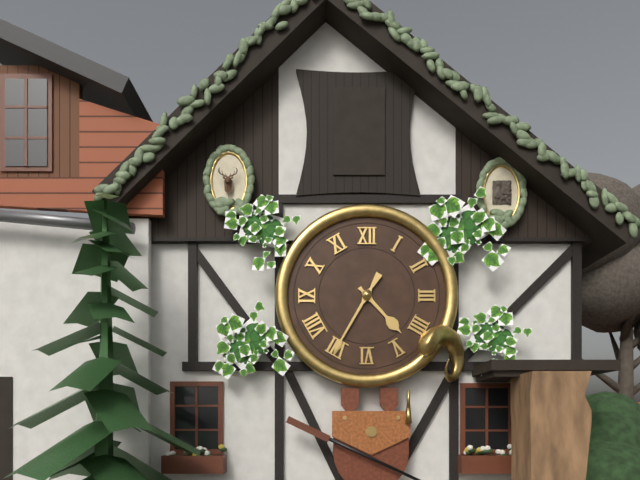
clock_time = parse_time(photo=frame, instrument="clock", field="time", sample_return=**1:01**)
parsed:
**4:35**
